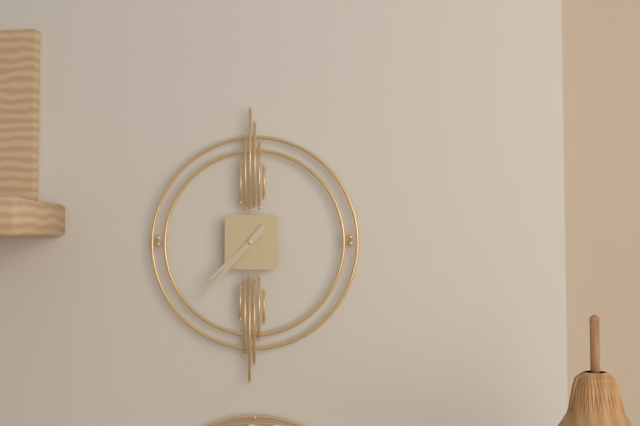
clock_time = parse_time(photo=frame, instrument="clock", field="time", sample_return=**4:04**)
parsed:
**7:37**
